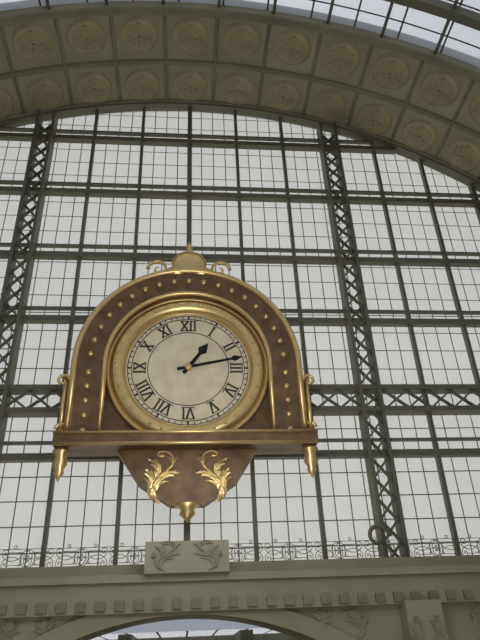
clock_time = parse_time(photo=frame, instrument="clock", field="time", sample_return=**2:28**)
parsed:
**1:13**
